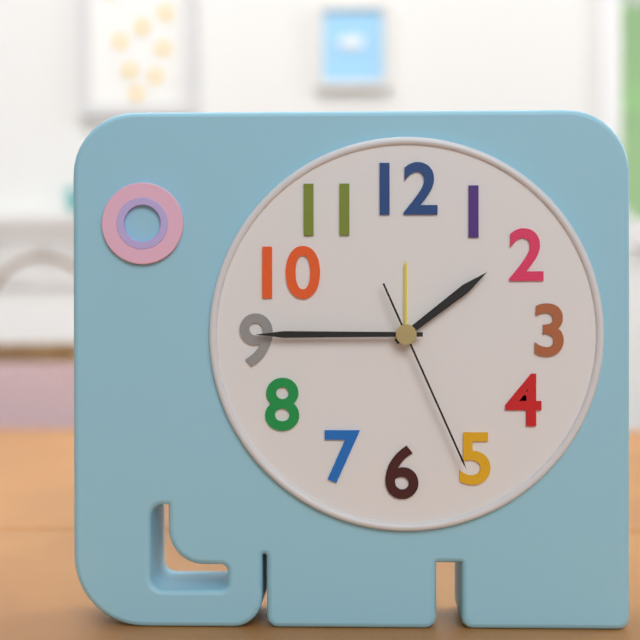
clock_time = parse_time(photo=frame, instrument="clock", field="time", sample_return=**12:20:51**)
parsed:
**1:45:26**
